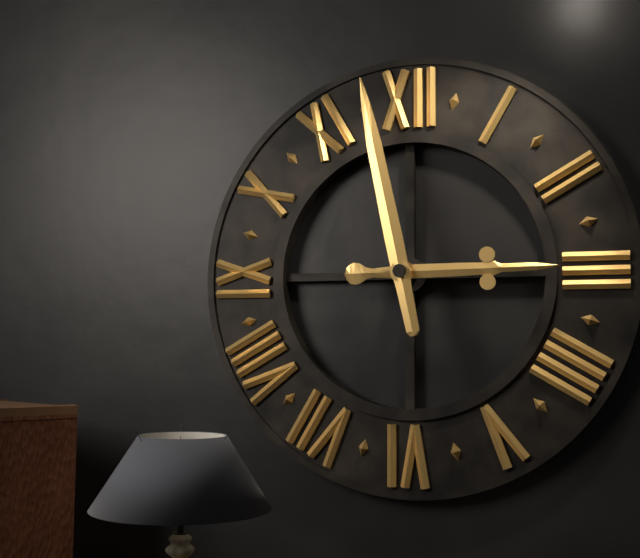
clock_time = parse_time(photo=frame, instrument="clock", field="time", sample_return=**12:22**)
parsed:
**2:58**
